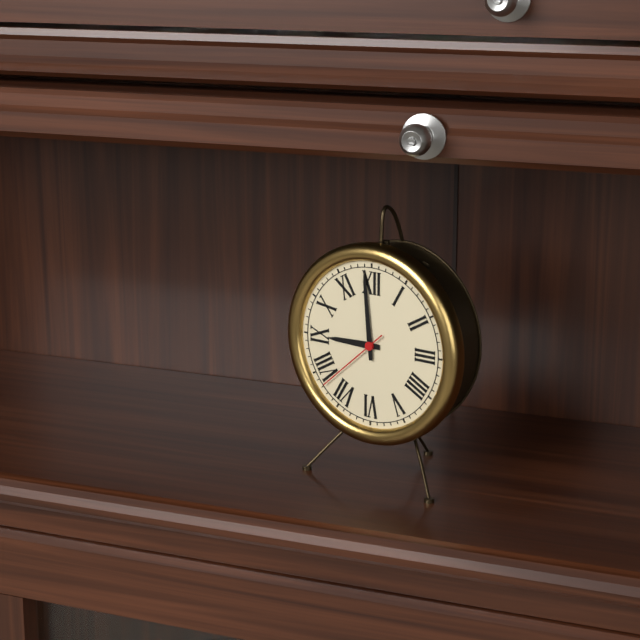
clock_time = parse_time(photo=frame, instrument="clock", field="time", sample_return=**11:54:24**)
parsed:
**8:59:38**
